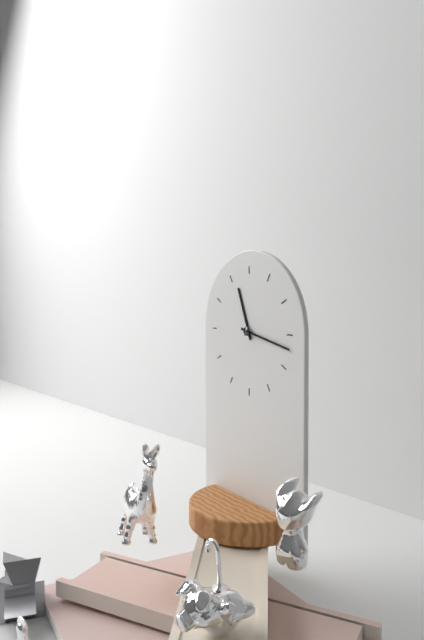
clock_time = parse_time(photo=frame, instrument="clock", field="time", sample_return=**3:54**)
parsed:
**11:17**
